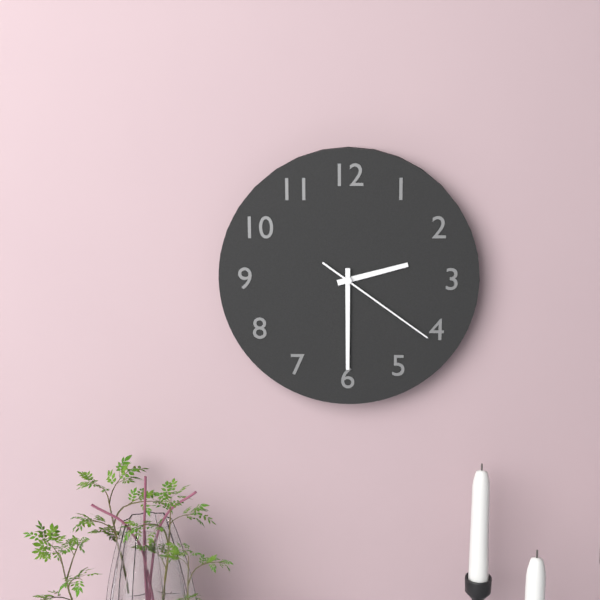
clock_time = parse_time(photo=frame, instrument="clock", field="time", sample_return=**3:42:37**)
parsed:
**2:30:21**
